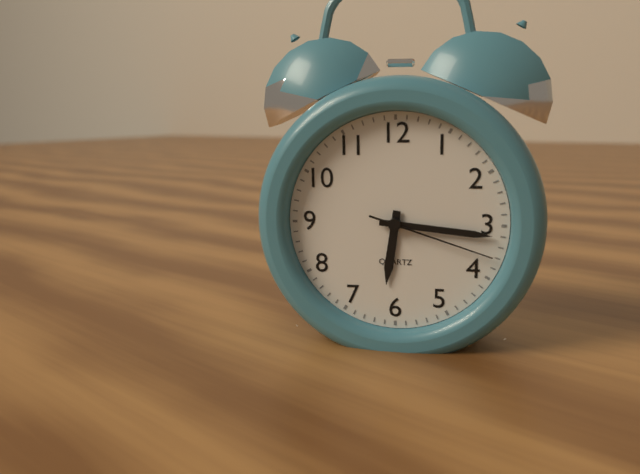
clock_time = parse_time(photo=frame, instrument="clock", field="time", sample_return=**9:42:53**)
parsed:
**6:16:18**
